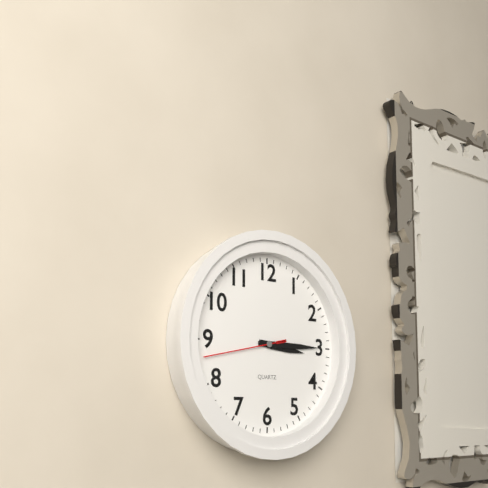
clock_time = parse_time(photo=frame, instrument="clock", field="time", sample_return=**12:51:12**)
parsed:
**3:15:43**
